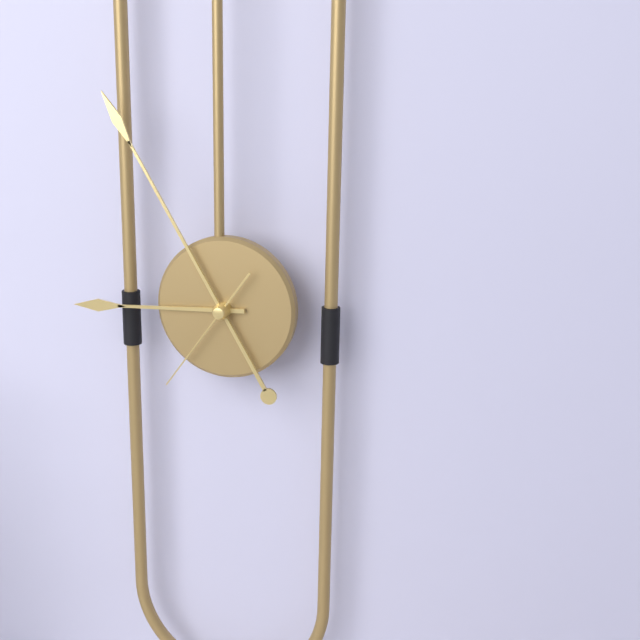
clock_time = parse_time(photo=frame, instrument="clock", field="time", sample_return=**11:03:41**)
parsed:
**8:55:36**
